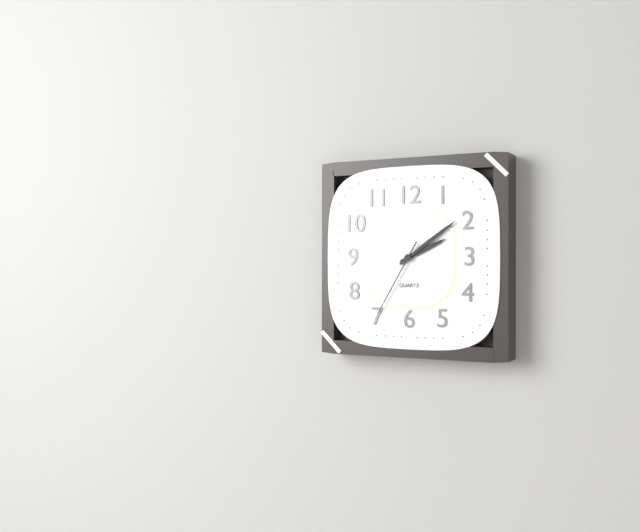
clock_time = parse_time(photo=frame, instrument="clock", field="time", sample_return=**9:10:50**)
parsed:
**2:09:35**
